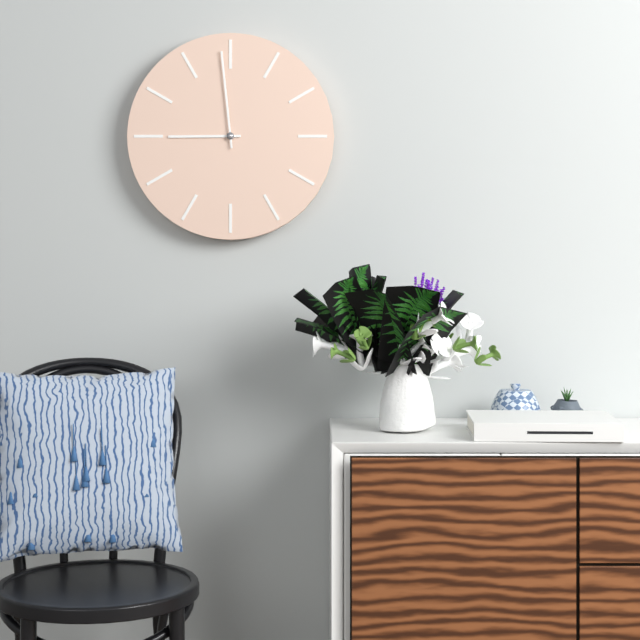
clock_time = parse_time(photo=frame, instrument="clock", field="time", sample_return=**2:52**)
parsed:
**8:59**
